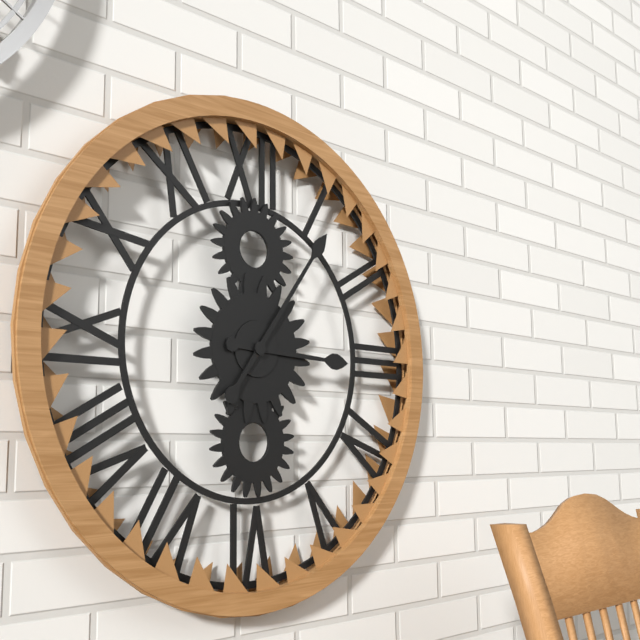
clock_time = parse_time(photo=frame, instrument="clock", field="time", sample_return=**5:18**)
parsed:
**3:06**
